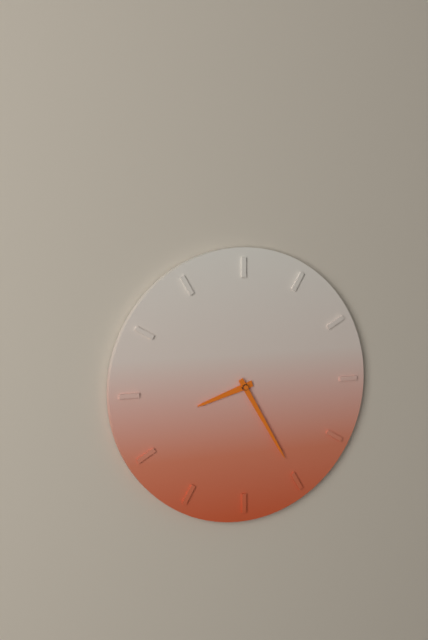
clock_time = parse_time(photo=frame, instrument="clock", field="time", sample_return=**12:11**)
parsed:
**8:25**
